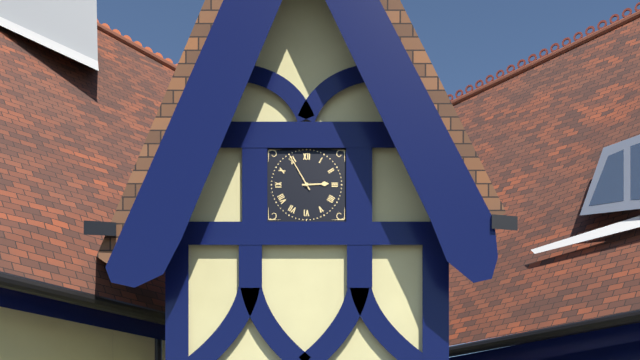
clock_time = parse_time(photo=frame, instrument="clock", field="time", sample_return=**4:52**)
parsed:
**2:55**
